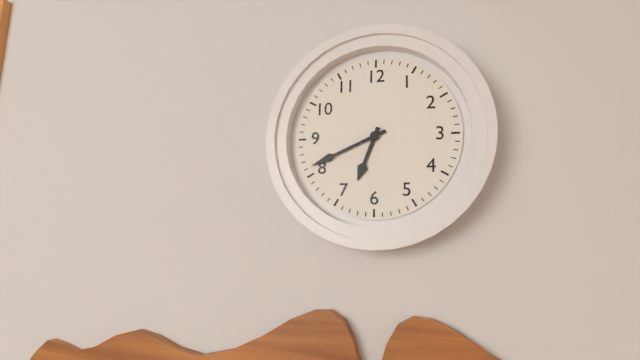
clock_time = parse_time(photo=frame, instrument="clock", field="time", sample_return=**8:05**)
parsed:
**6:41**
